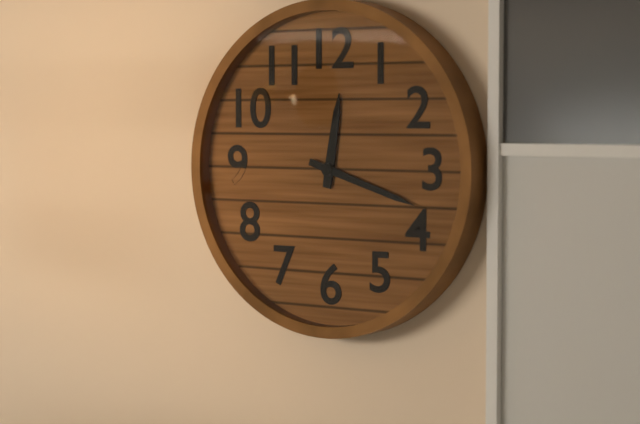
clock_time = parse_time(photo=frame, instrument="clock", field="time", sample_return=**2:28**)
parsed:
**12:18**
